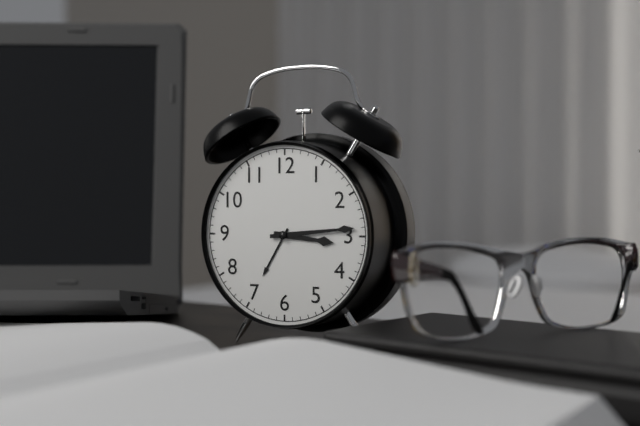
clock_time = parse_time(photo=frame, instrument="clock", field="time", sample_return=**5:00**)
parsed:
**3:14**
